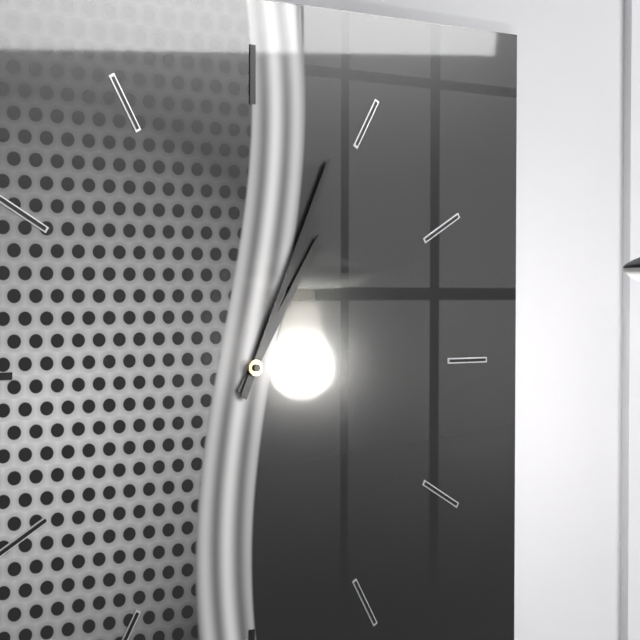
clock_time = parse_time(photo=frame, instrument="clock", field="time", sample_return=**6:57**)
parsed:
**1:04**
